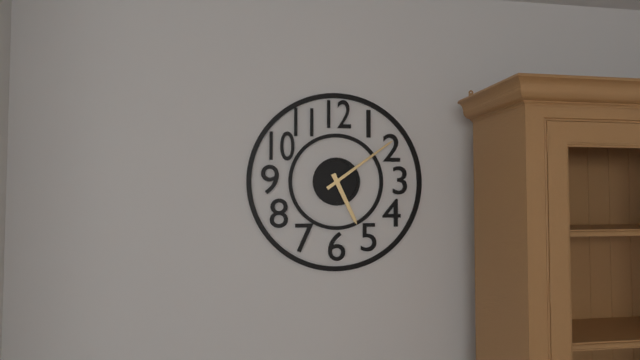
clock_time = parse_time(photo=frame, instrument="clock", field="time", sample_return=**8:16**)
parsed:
**5:09**
